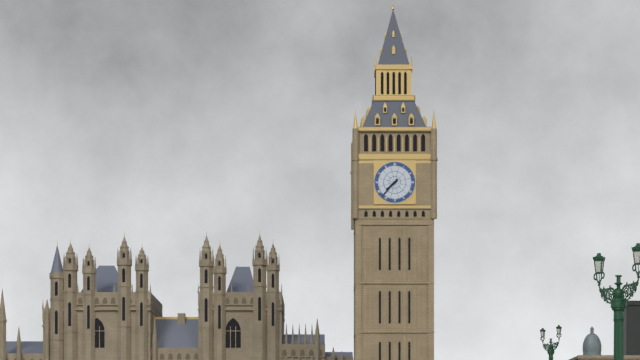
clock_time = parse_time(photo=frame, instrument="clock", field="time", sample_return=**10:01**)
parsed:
**7:37**
